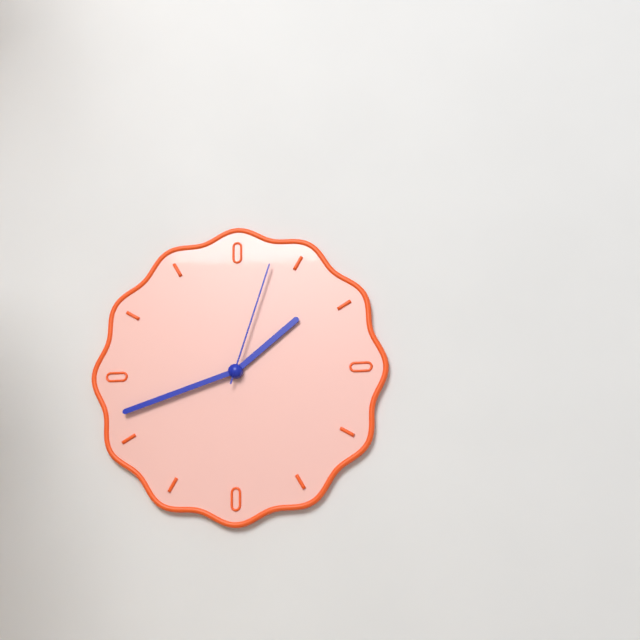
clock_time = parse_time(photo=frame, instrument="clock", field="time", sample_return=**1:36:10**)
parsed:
**1:42:03**
